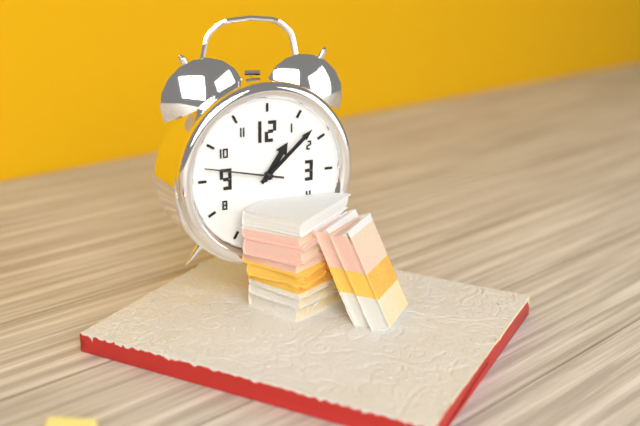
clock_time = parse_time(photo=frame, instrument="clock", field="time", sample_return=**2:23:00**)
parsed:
**1:08:47**
